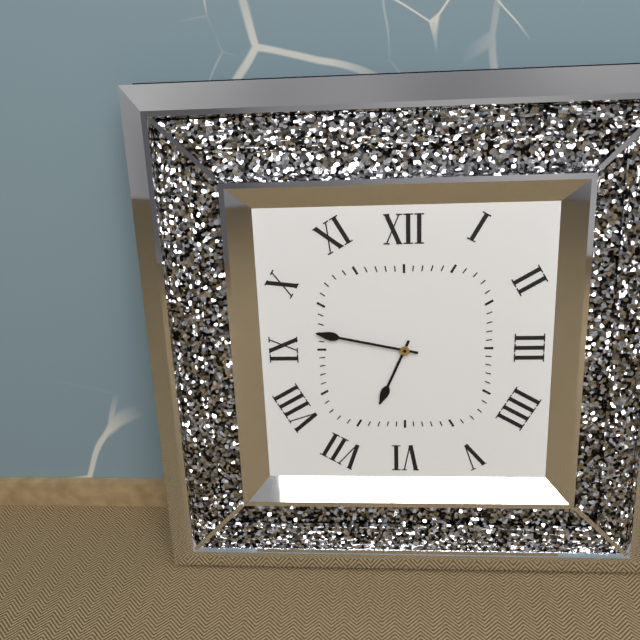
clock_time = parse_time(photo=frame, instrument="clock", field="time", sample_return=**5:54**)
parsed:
**6:47**
